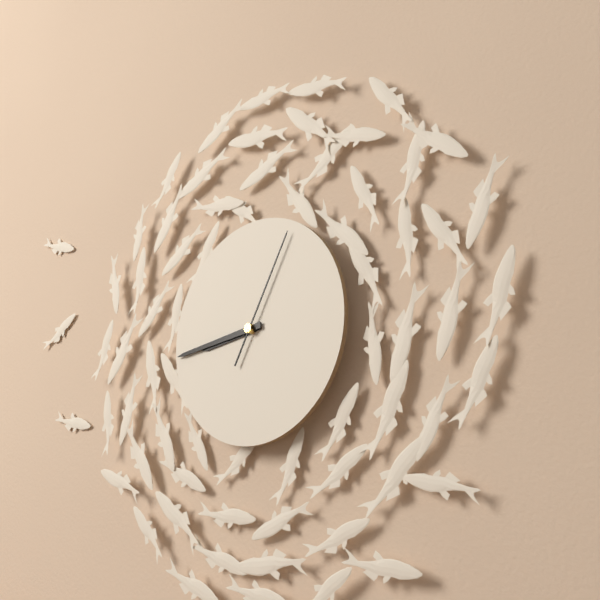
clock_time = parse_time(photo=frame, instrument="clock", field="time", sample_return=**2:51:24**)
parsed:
**8:44:05**
